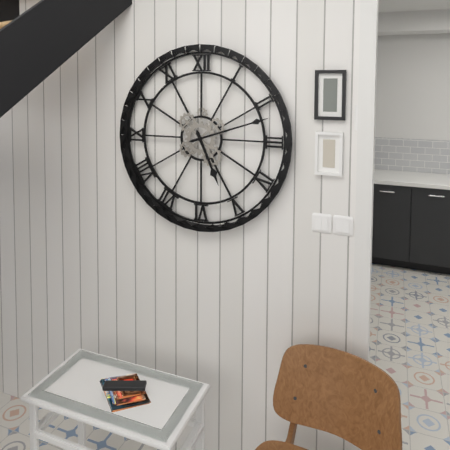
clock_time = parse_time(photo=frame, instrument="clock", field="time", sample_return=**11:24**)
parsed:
**5:12**
